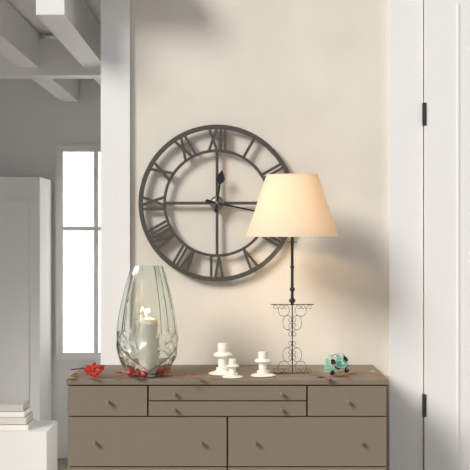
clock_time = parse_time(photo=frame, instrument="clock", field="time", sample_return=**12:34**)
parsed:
**12:17**
